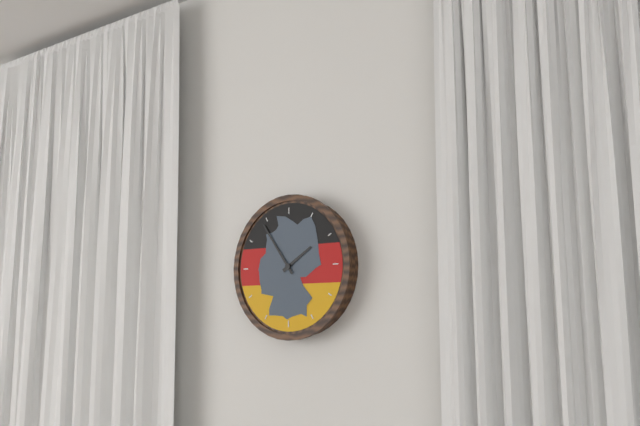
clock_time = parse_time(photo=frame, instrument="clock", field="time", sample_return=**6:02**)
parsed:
**1:54**
